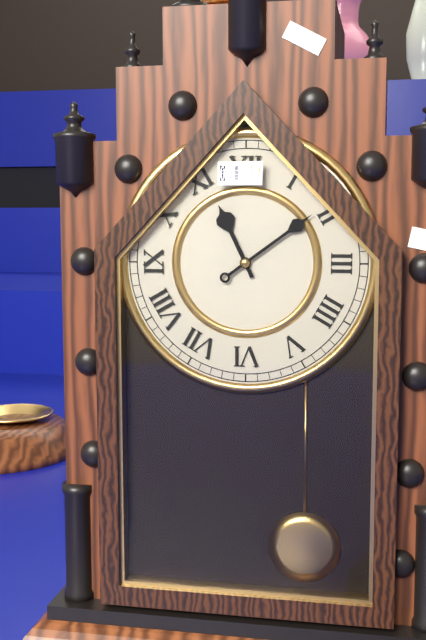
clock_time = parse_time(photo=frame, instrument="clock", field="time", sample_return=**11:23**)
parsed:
**11:09**
